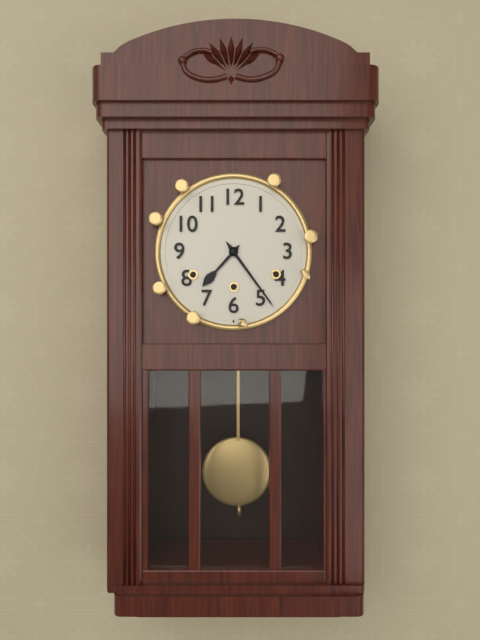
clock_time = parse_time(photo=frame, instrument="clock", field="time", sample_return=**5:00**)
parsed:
**7:24**
